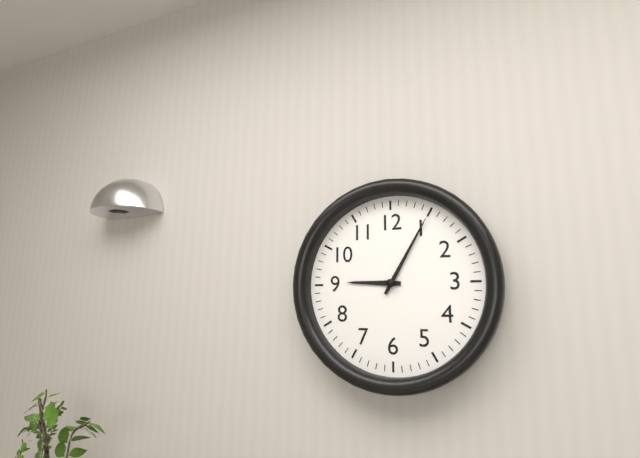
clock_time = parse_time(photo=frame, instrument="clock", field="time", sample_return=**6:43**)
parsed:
**9:05**
